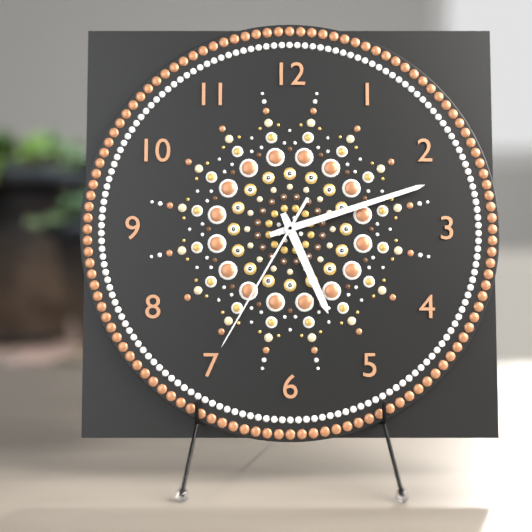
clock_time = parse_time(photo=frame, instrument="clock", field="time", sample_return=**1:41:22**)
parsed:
**5:12:35**
